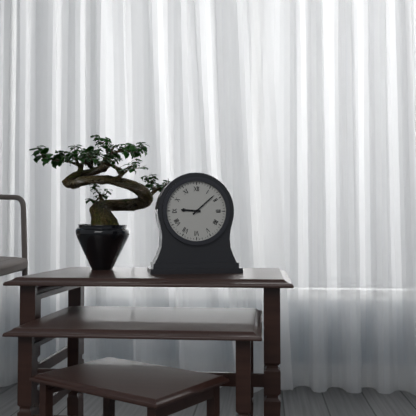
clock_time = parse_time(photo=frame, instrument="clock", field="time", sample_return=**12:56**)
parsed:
**9:08**
